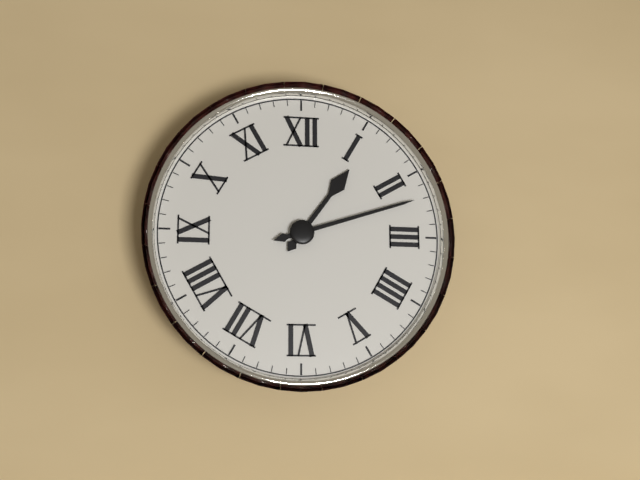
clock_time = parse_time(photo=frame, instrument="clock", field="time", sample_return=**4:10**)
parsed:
**1:12**
